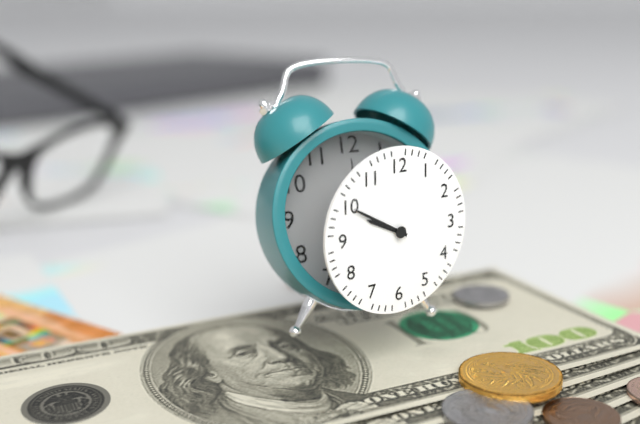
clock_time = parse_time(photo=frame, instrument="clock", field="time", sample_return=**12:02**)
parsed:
**9:50**
